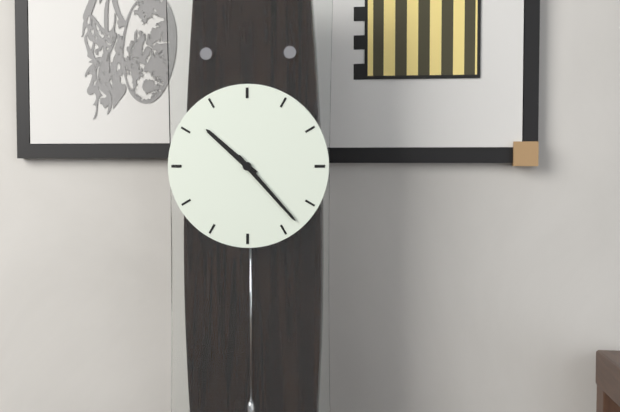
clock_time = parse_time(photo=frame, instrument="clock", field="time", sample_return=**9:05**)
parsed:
**10:23**
